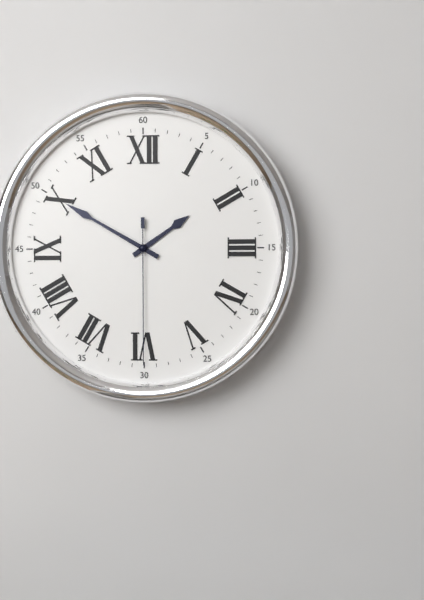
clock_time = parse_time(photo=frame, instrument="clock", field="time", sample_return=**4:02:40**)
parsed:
**1:50:30**
